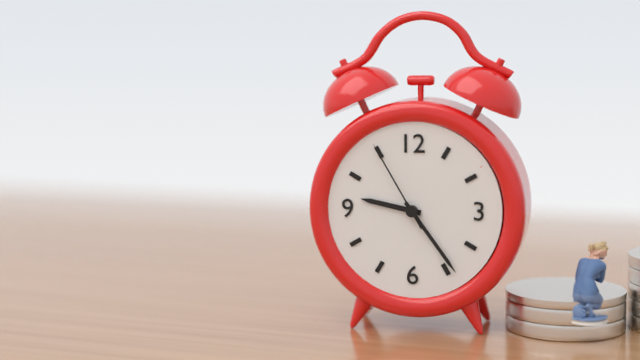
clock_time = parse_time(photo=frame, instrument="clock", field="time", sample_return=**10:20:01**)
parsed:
**9:24:55**
